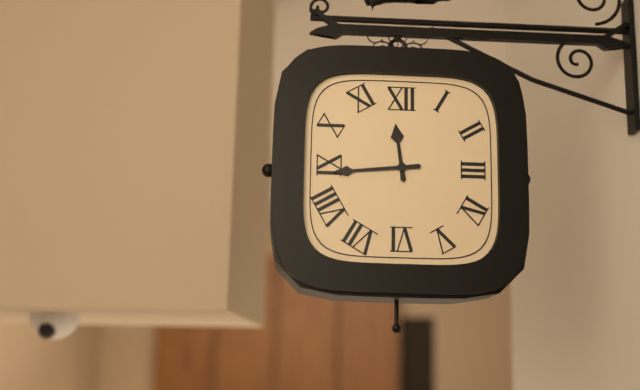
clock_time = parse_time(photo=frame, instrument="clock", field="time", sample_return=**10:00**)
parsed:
**11:44**
